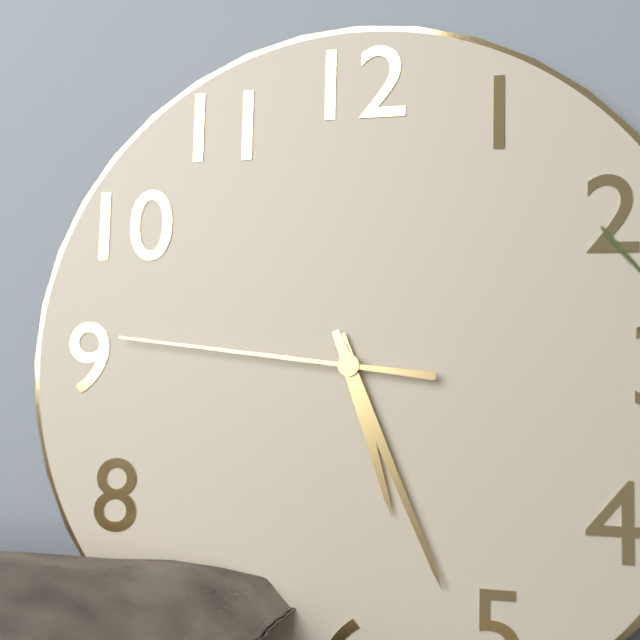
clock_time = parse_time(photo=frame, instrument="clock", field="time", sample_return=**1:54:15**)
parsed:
**5:26:46**
